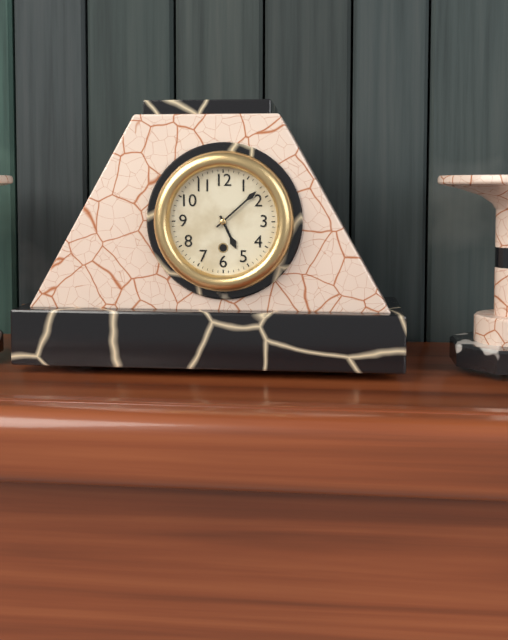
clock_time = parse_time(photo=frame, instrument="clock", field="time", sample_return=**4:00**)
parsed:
**5:08**
